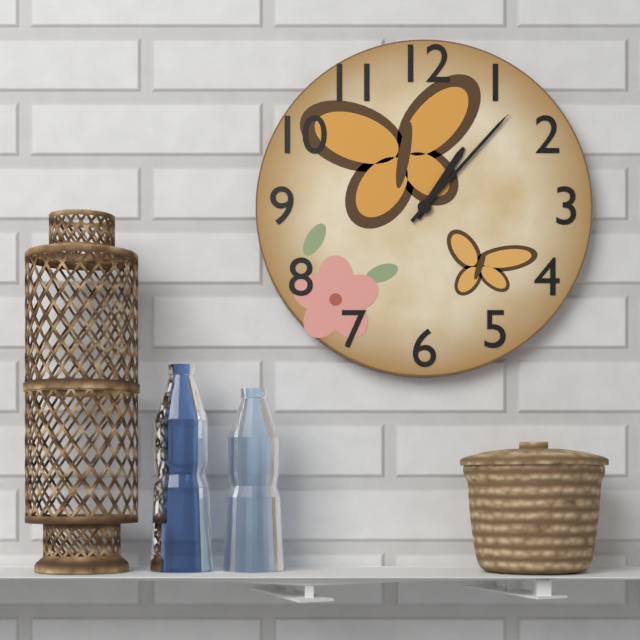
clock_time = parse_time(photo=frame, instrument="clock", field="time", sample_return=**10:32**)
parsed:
**1:07**
